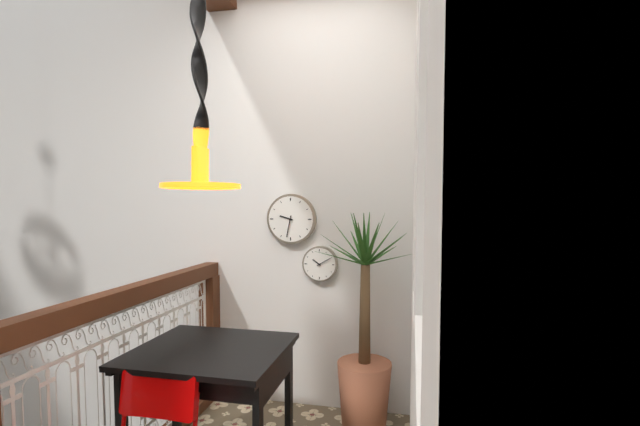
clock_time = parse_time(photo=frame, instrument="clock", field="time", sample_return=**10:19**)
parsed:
**9:32**
